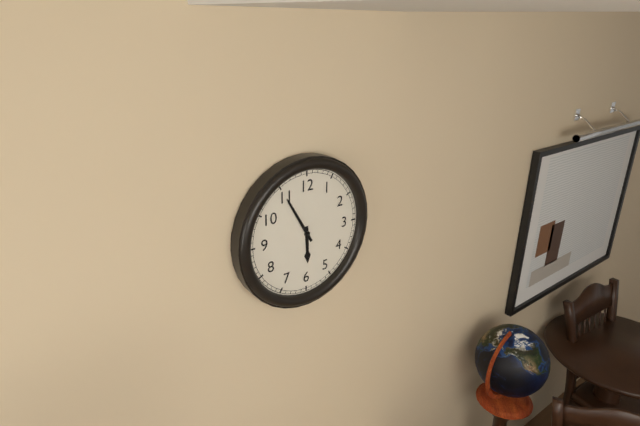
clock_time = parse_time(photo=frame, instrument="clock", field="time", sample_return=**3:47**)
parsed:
**5:55**
